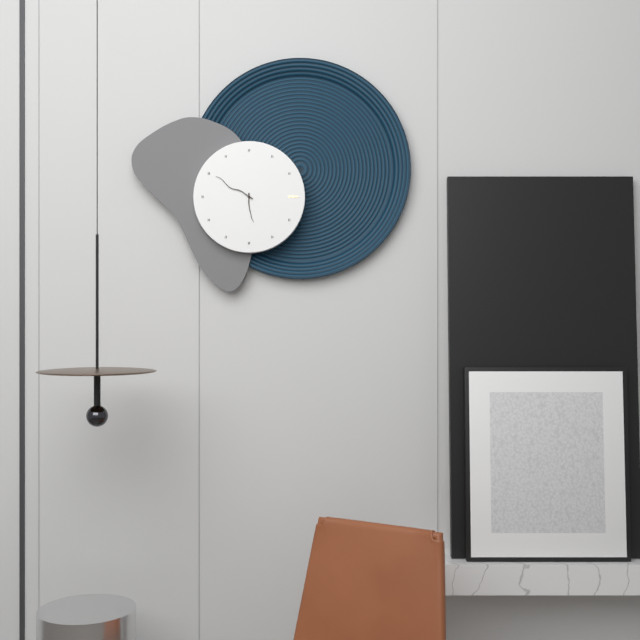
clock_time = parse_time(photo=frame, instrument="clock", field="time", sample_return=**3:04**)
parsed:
**5:50**
